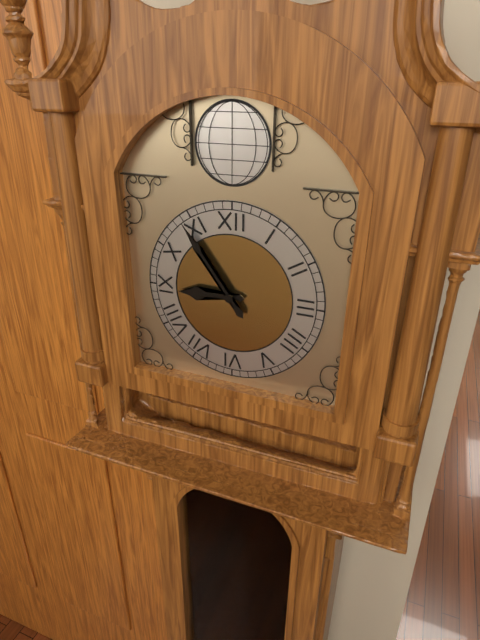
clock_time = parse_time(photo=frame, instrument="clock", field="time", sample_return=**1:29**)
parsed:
**8:54**
